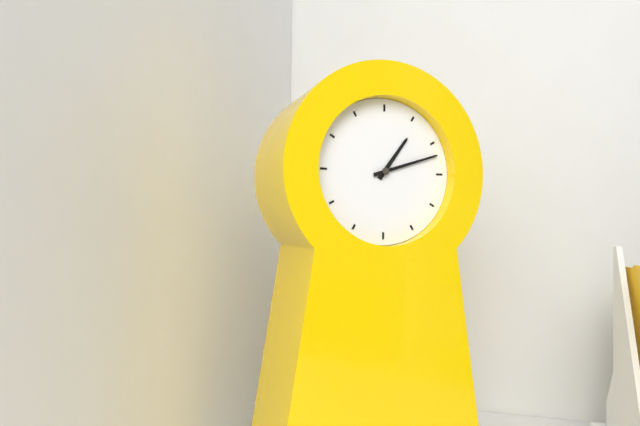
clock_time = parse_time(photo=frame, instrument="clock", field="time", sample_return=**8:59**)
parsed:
**1:12**
